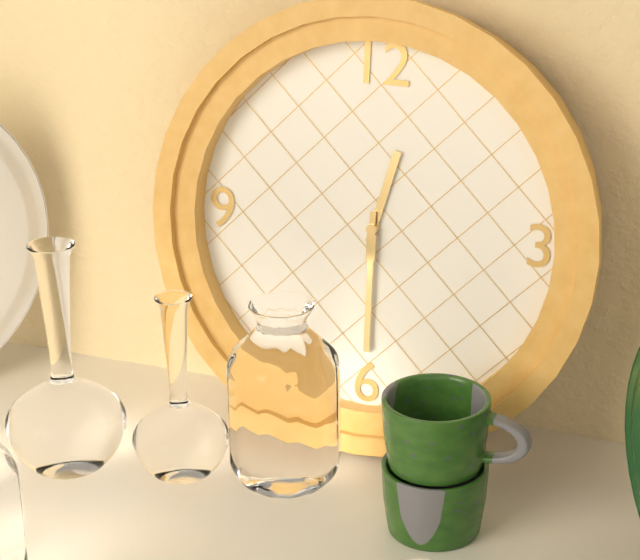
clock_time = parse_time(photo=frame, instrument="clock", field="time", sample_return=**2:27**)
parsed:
**12:30**
